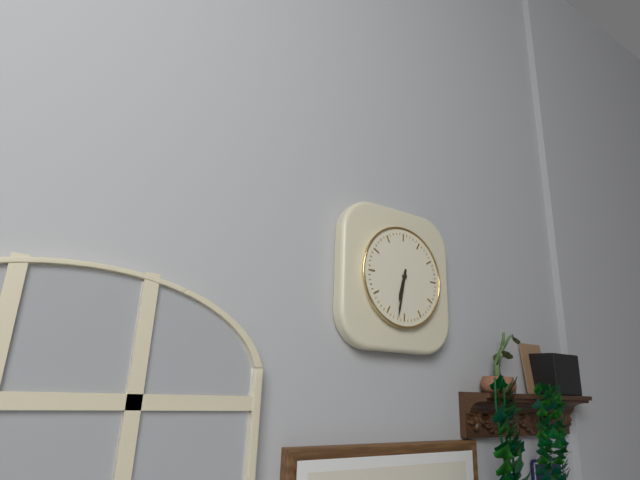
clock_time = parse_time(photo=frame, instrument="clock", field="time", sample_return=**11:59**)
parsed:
**6:32**
